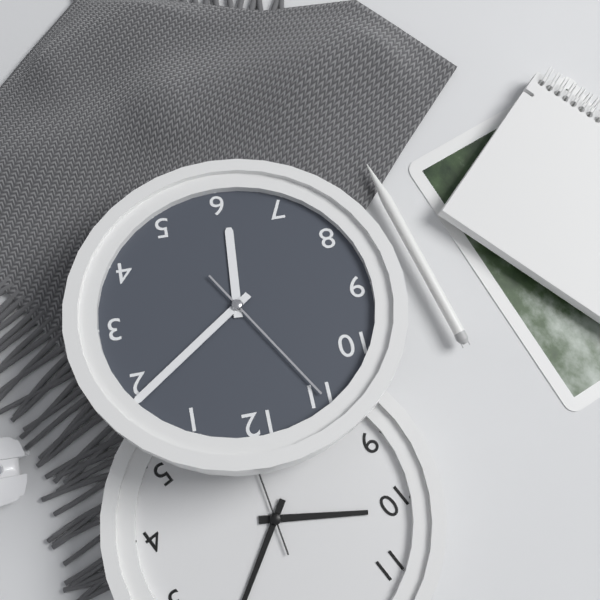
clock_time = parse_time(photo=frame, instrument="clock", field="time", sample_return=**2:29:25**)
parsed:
**6:09:55**
